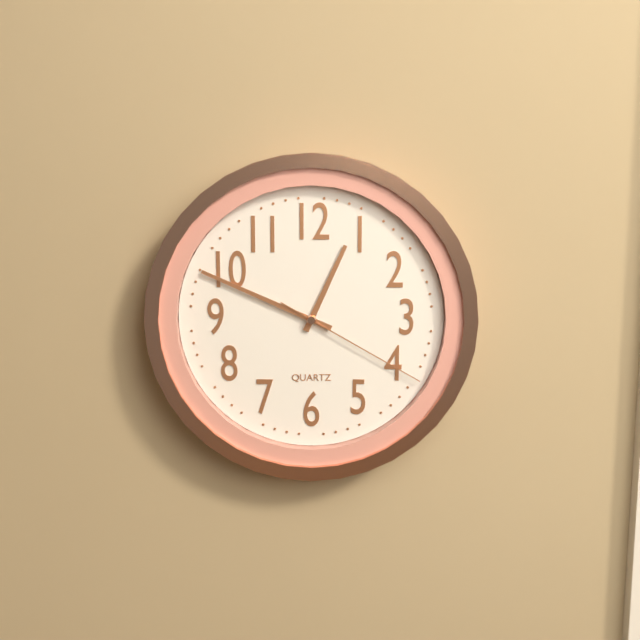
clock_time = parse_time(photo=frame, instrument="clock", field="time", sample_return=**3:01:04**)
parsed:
**12:49:20**
